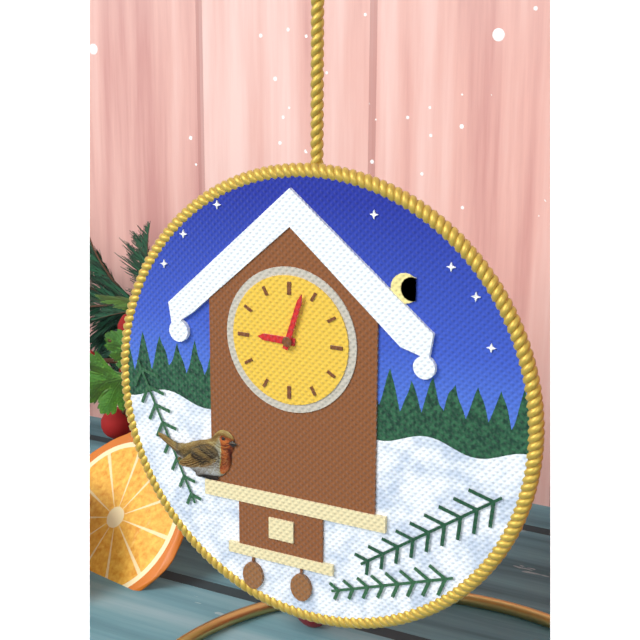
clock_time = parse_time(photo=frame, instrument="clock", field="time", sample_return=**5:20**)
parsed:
**9:03**
